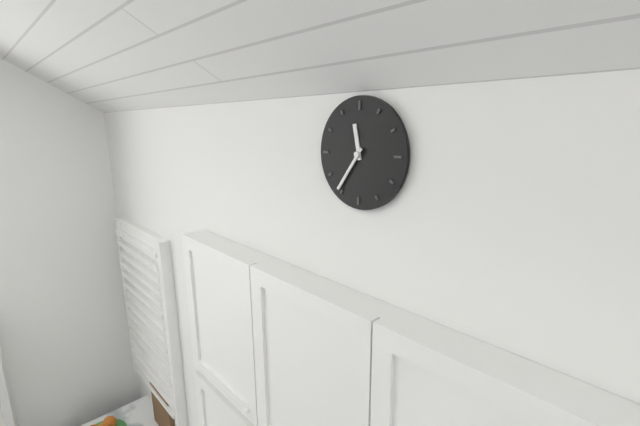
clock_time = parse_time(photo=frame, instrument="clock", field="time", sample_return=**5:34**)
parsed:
**11:36**
